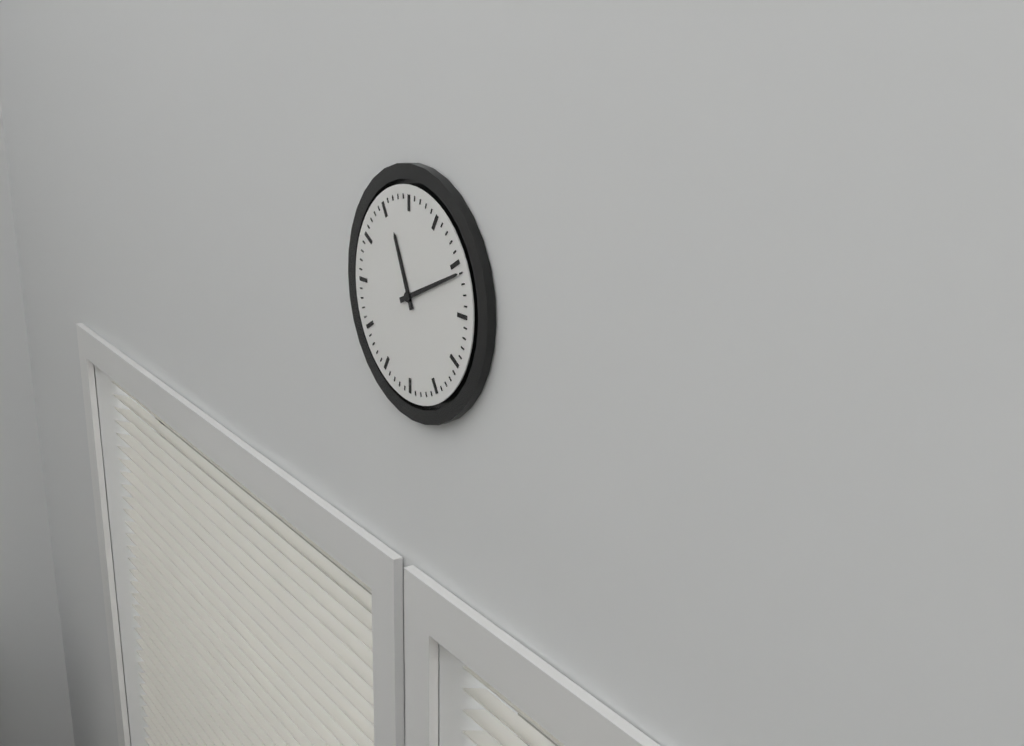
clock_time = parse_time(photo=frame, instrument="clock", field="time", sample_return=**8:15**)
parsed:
**11:11**
